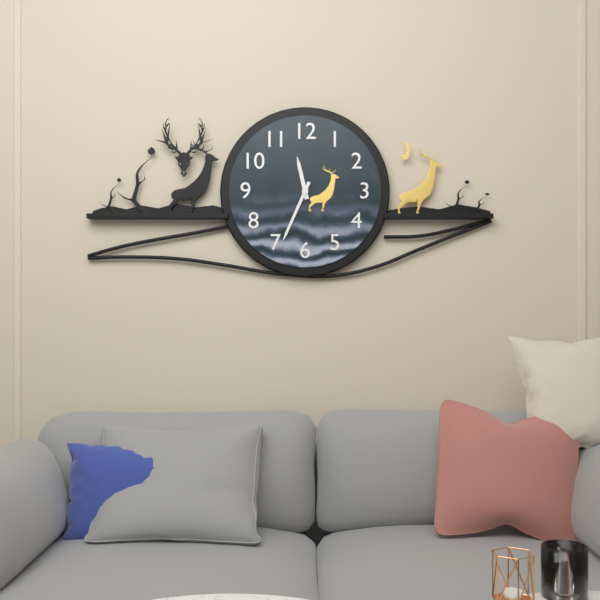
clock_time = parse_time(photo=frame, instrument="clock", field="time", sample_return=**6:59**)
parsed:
**11:34**
